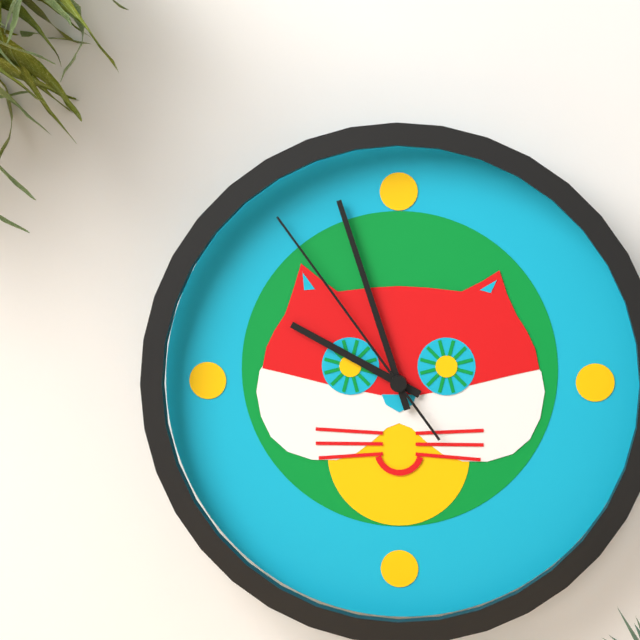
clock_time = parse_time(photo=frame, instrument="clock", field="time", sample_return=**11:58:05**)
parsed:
**9:57:54**
